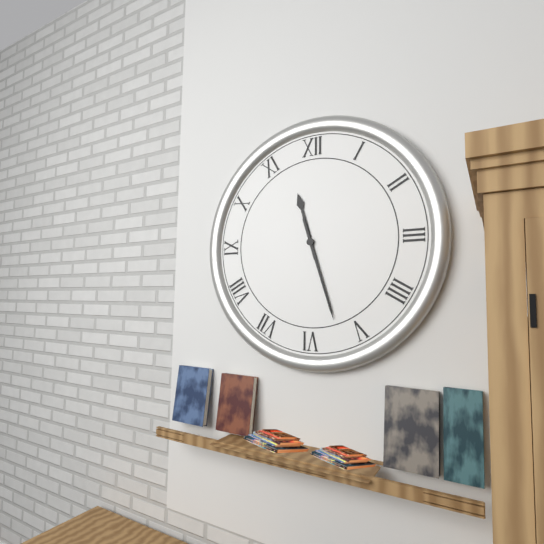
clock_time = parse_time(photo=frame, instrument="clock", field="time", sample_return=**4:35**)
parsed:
**11:27**
